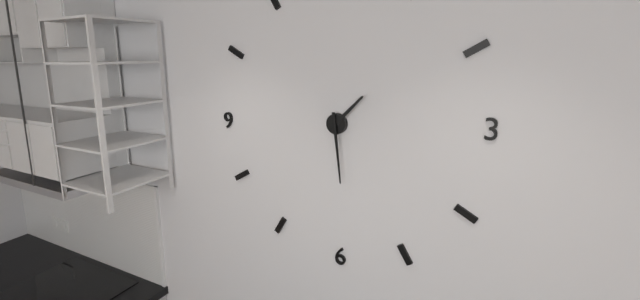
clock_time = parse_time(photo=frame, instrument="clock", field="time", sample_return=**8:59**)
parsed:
**1:29**
